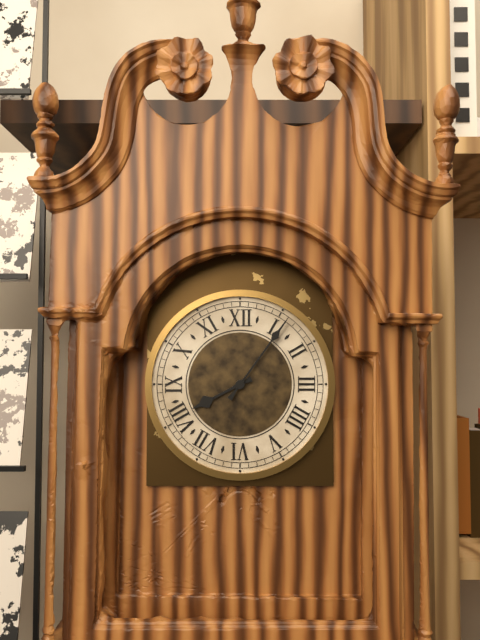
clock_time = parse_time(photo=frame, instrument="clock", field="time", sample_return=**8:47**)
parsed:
**8:06**
